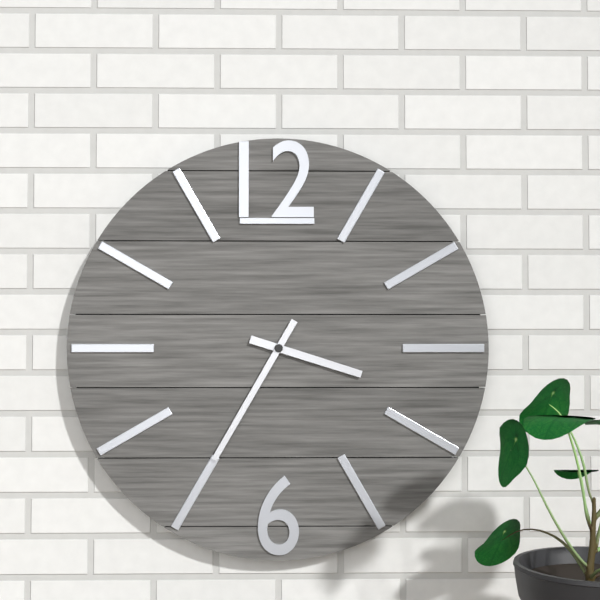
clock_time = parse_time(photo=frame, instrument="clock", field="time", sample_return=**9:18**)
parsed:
**3:35**
